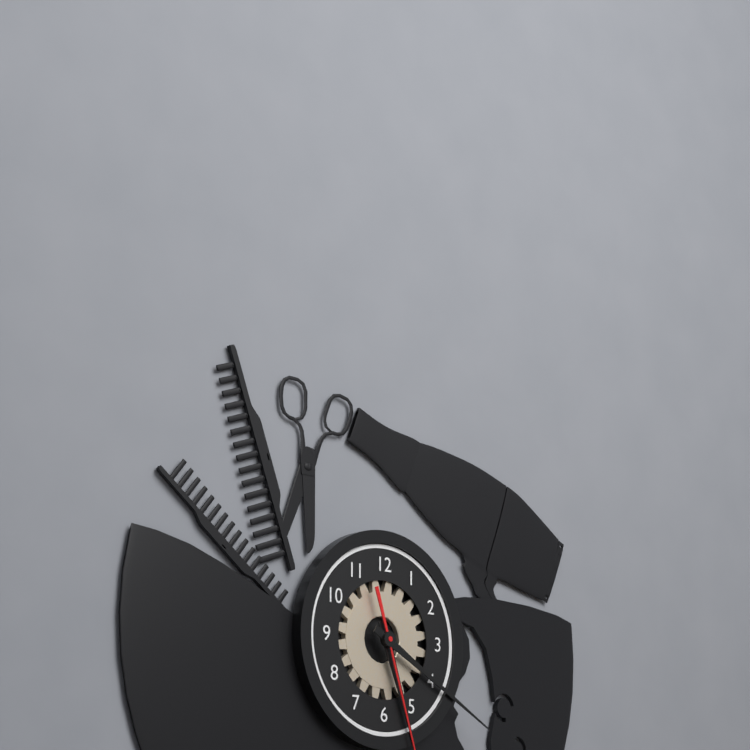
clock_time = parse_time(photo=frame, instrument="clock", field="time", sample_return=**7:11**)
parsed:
**5:20**
